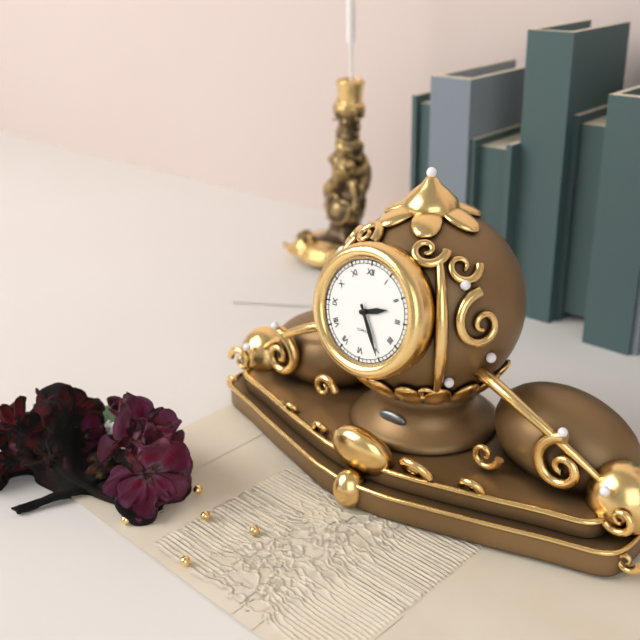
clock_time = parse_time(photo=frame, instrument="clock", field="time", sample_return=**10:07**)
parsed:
**2:25**
